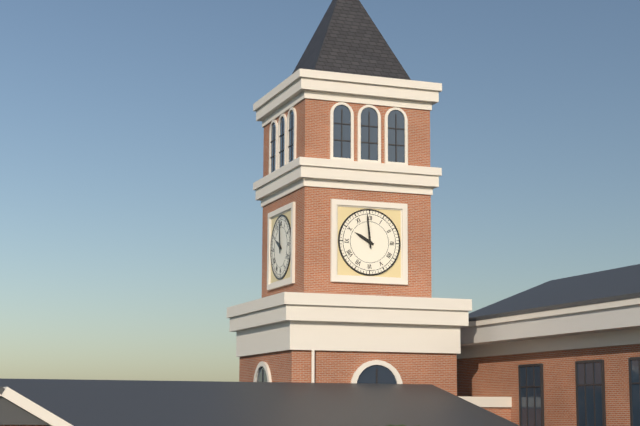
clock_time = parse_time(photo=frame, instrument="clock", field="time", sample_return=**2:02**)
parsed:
**9:59**
